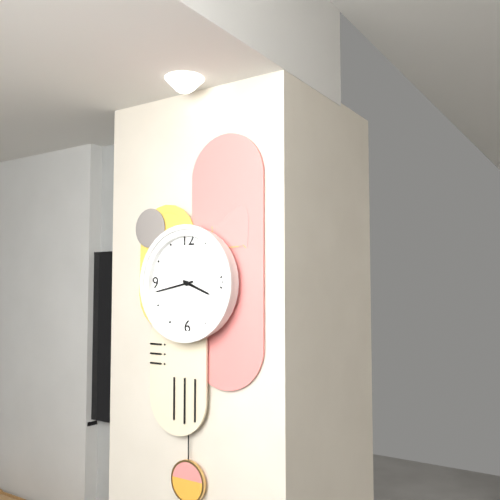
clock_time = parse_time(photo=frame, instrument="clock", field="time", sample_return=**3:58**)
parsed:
**3:43**
